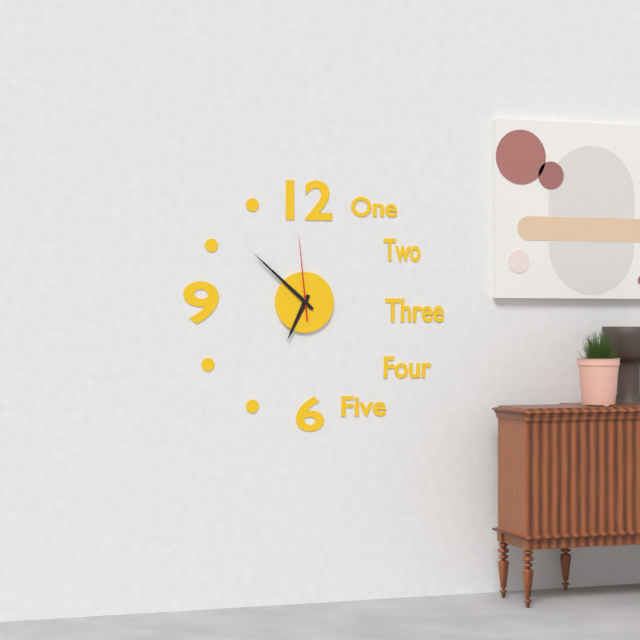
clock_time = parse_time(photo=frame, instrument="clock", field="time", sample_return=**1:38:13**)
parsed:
**6:52:59**
